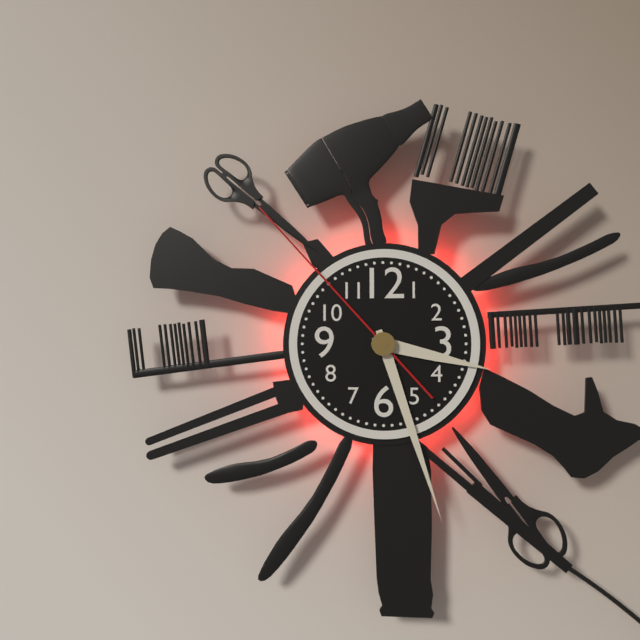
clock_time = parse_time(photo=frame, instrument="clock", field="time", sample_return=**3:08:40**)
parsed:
**3:27:53**
